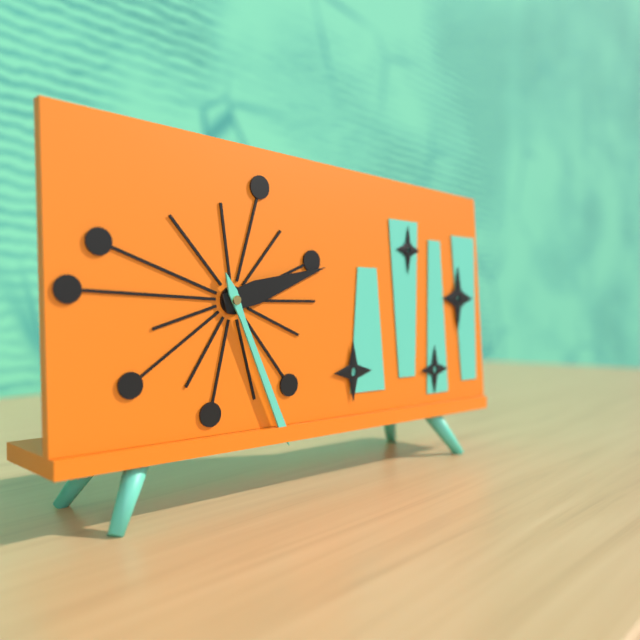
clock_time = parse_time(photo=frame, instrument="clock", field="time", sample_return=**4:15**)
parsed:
**2:26**
